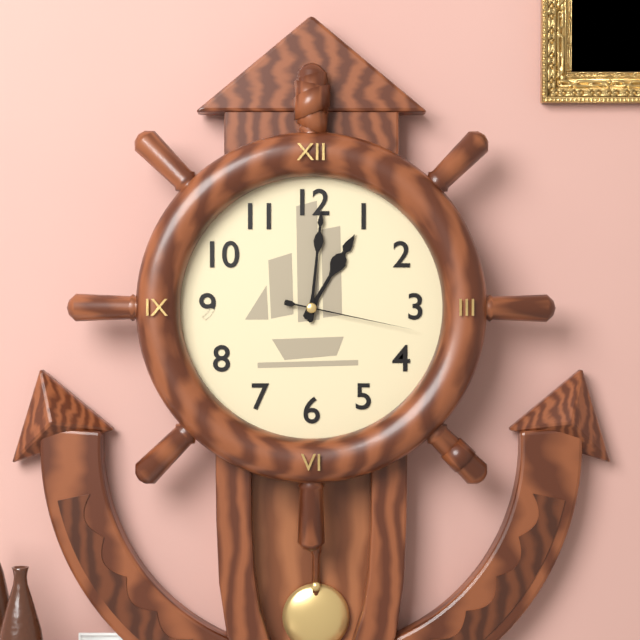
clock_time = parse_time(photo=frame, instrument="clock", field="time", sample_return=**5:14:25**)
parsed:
**1:01:17**
